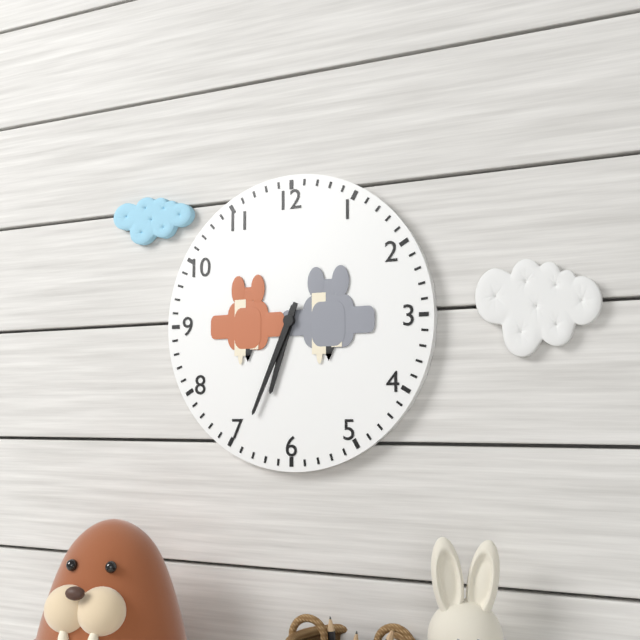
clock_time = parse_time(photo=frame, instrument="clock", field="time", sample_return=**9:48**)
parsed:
**6:34**
